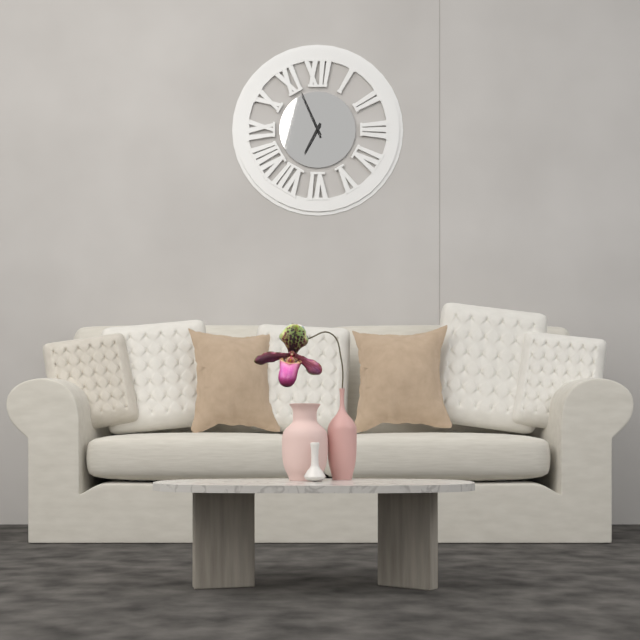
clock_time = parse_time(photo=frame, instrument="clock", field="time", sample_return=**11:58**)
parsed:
**6:56**
